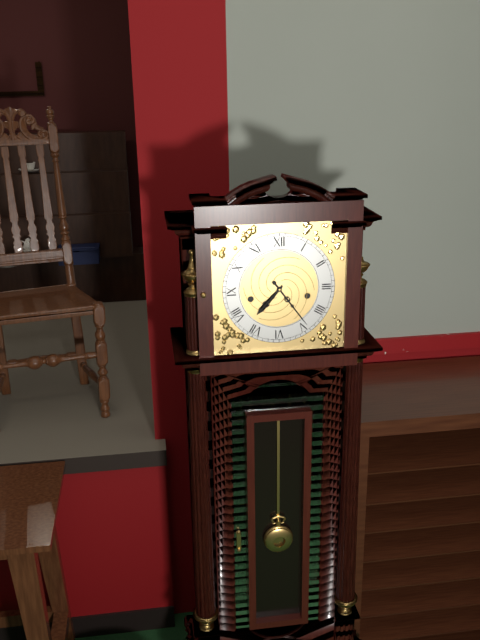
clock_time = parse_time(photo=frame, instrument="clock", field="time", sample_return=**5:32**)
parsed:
**7:24**
